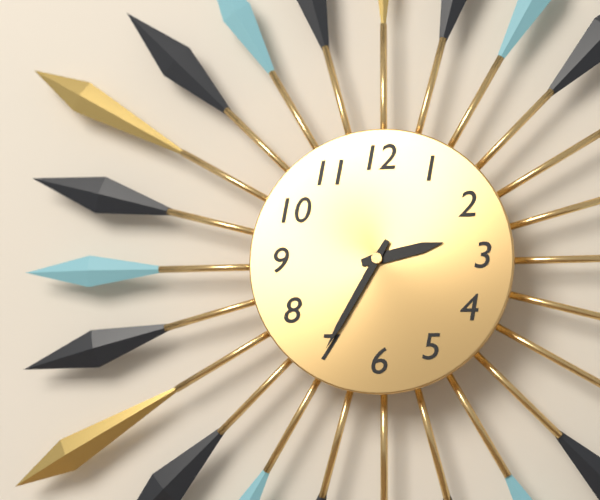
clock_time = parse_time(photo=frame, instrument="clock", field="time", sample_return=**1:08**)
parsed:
**2:35**
